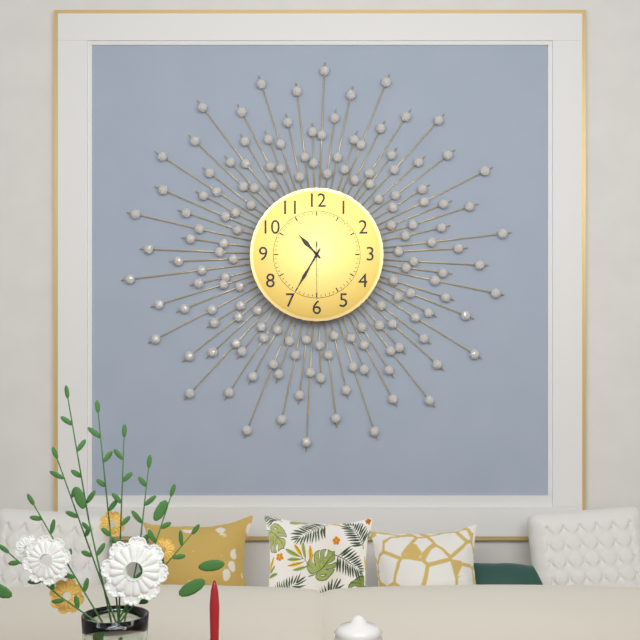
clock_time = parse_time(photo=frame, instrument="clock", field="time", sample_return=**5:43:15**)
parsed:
**10:35:30**
